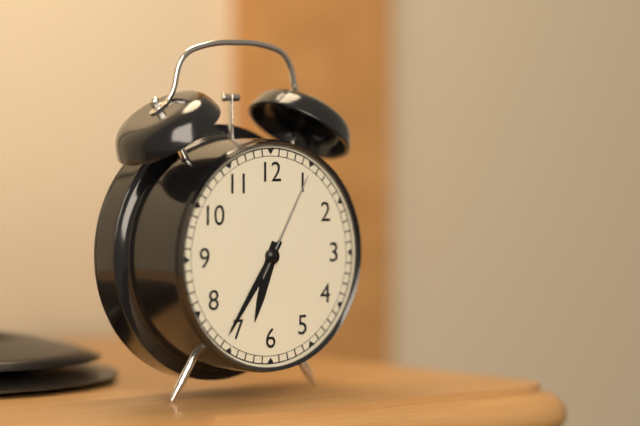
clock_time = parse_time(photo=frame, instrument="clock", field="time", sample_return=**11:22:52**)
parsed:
**6:36:05**
